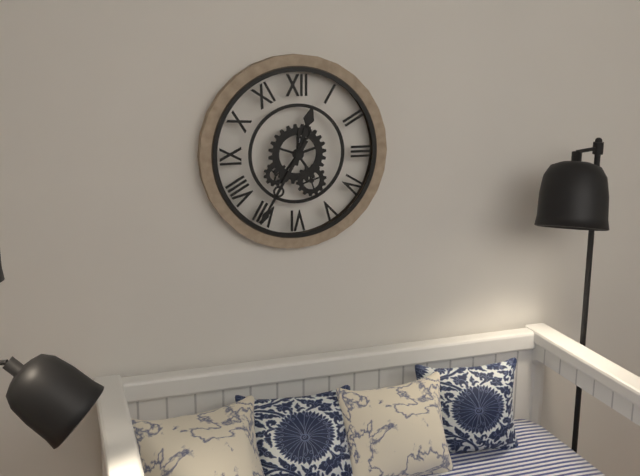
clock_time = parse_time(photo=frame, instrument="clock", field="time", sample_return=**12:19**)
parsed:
**12:35**
